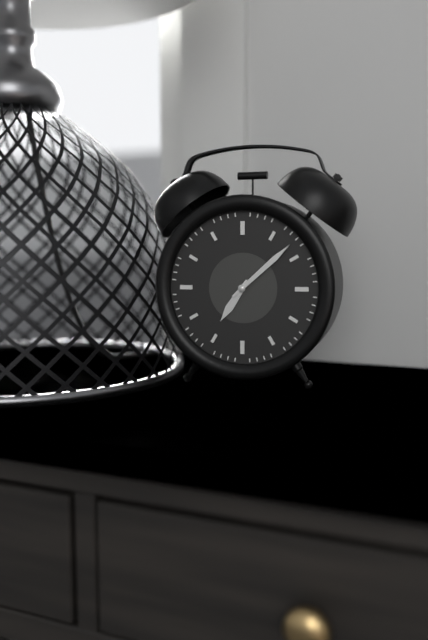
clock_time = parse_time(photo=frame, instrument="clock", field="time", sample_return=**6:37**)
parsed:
**7:08**
